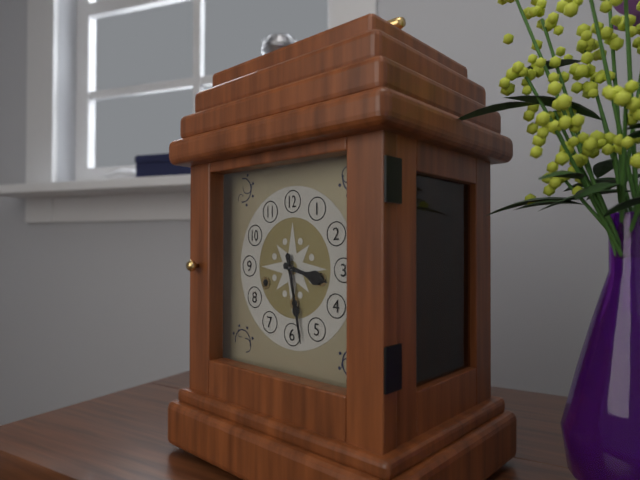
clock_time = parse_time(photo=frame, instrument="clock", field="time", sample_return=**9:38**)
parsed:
**3:28**
